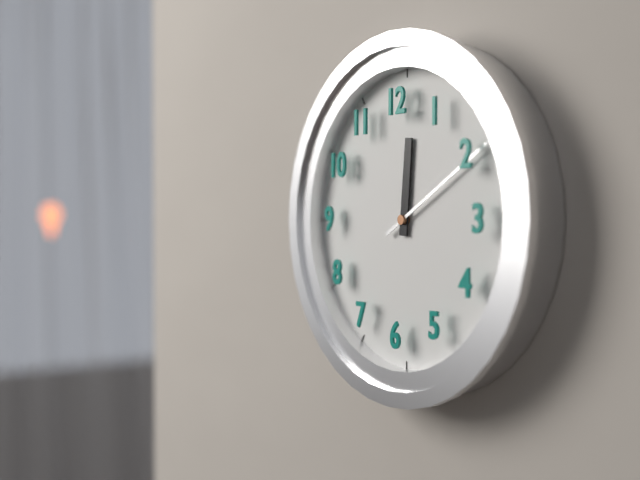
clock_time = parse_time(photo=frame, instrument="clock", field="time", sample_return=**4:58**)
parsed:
**12:10**
